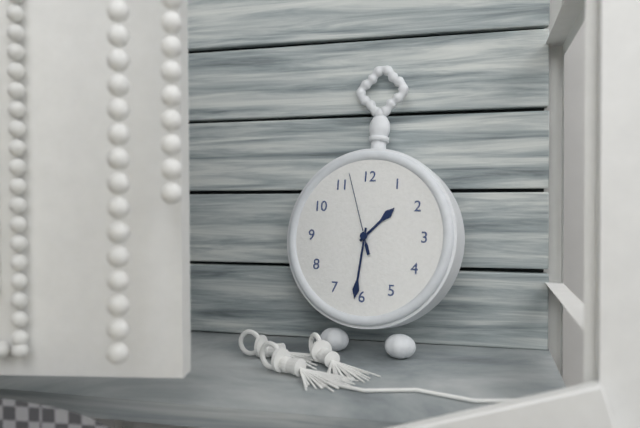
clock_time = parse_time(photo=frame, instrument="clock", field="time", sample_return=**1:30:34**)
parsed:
**1:31:57**
